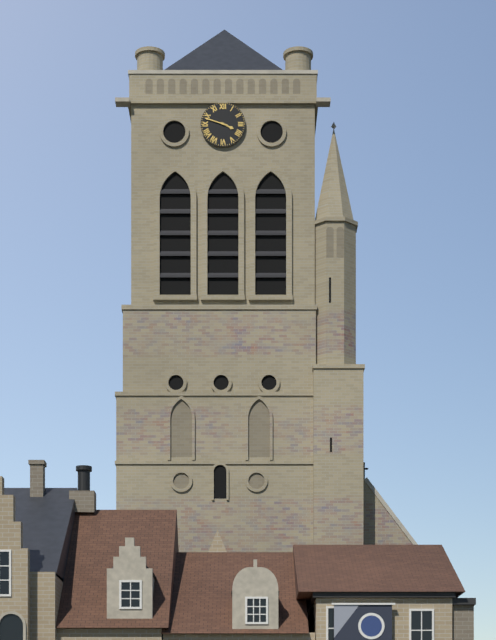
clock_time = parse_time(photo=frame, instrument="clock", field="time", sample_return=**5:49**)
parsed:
**3:48**
